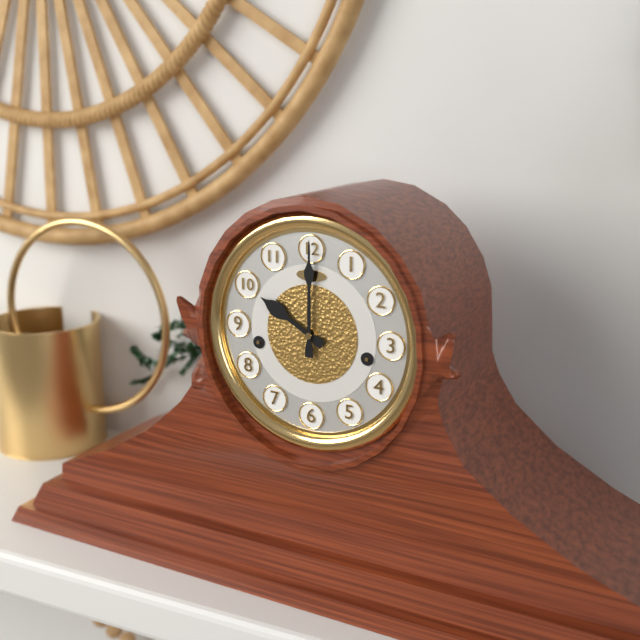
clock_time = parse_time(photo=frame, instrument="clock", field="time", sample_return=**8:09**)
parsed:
**10:00**
